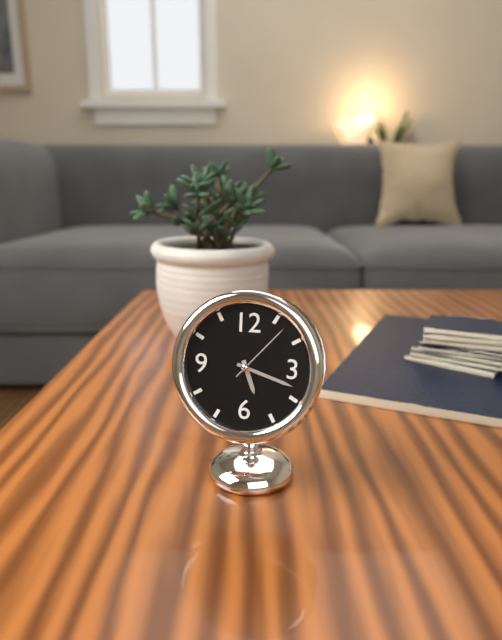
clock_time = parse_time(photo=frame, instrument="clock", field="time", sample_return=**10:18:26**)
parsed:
**5:18:07**
